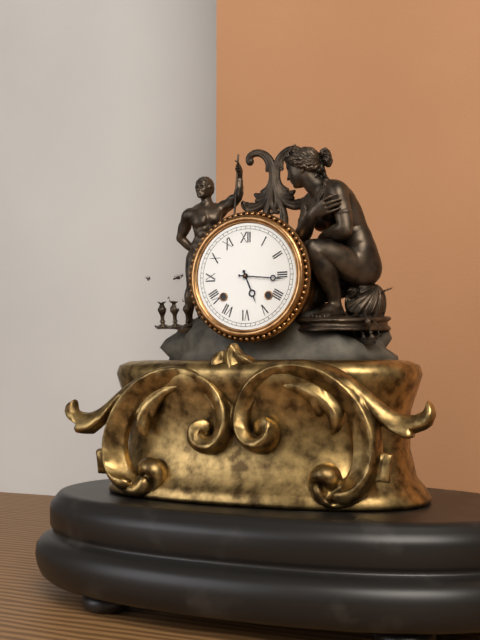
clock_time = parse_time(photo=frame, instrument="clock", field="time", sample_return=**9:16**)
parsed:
**5:16**
